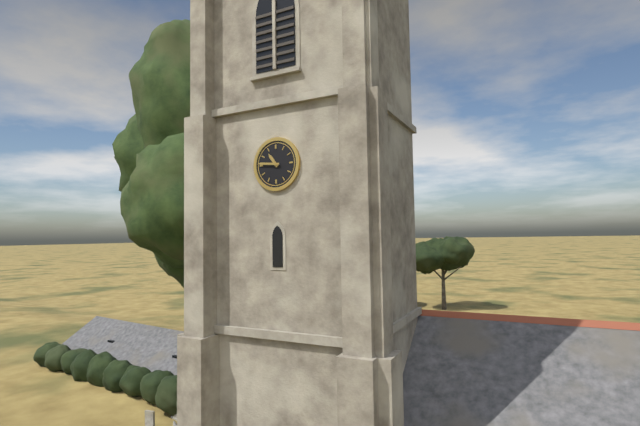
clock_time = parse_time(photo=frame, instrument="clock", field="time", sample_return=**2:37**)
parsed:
**10:46**
